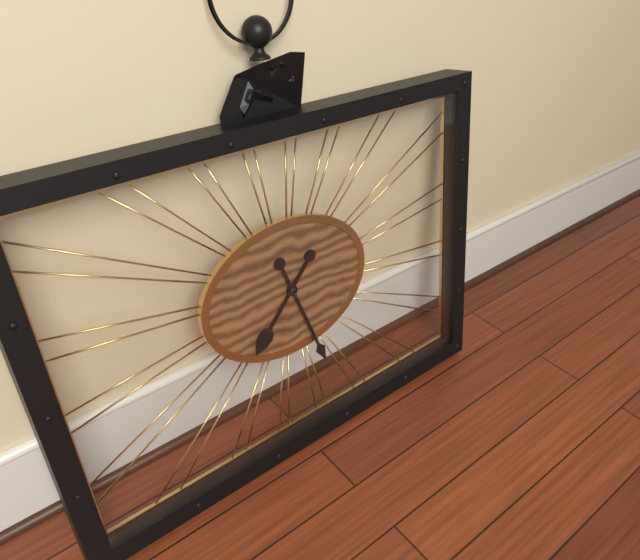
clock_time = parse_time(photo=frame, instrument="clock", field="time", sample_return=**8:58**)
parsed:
**7:27**
